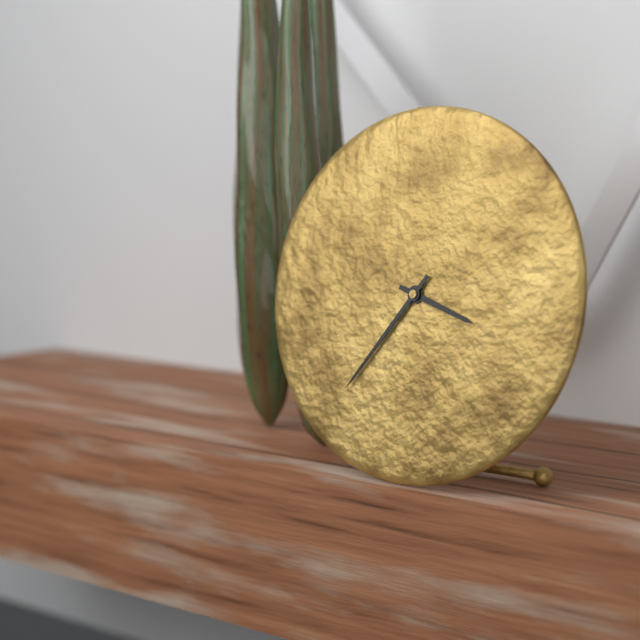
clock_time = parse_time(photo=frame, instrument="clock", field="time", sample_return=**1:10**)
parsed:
**3:36**
